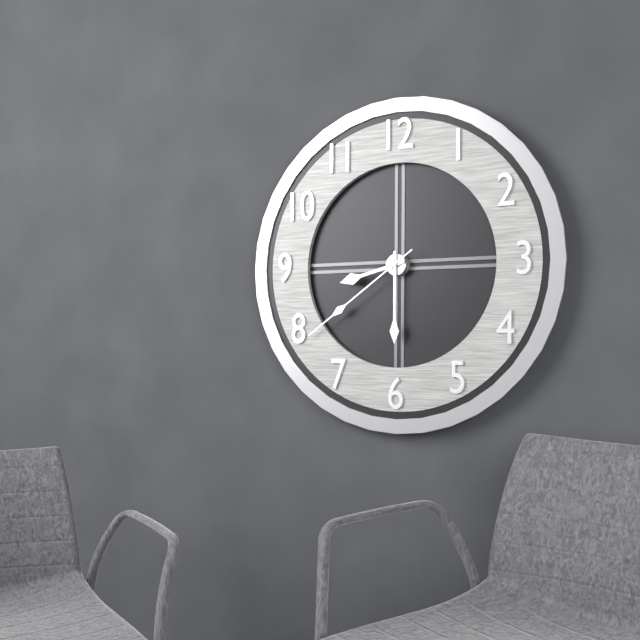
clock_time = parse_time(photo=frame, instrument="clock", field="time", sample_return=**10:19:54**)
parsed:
**8:30:39**
